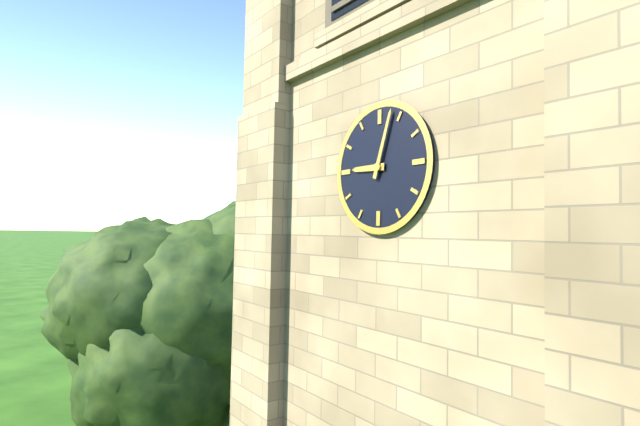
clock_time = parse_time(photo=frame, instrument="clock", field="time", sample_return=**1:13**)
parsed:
**9:03**
